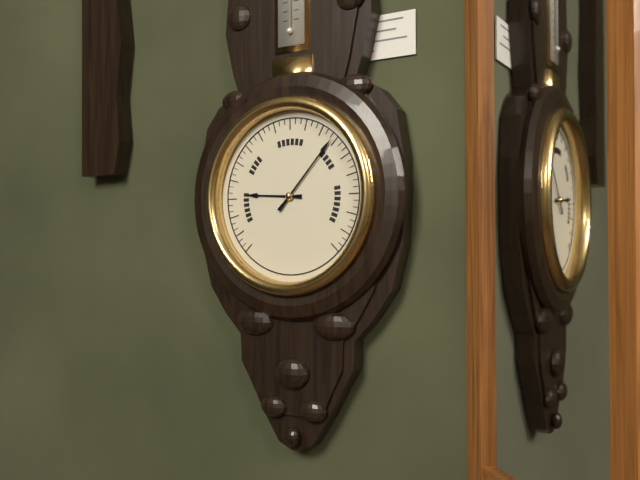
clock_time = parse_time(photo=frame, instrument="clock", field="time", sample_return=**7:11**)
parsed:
**9:07**
